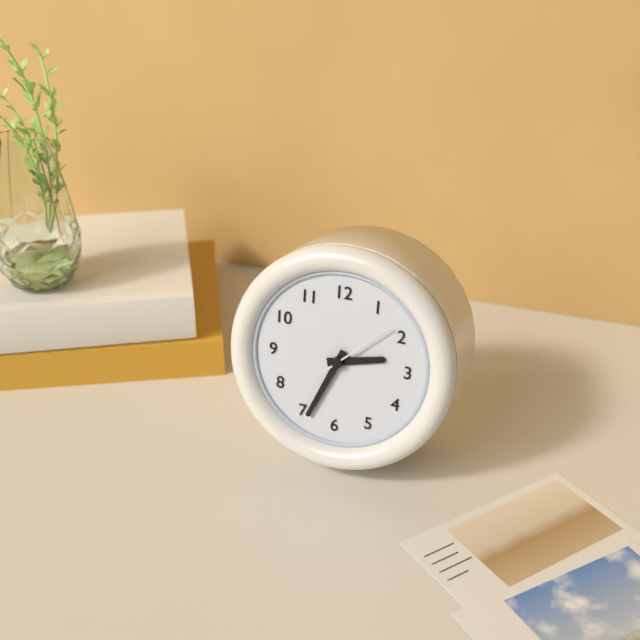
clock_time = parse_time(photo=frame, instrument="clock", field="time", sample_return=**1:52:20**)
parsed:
**2:34:08**
